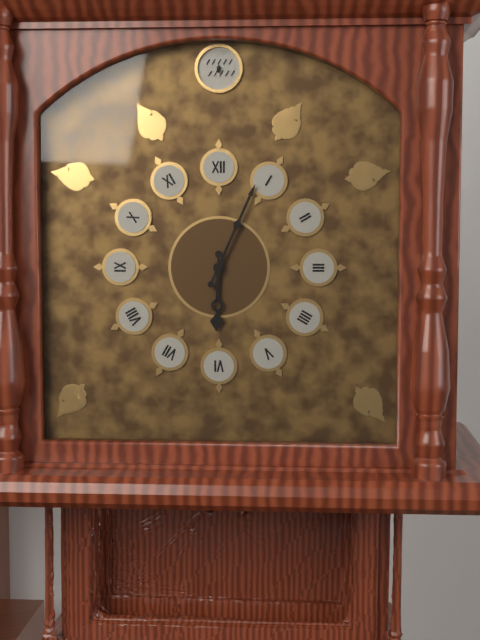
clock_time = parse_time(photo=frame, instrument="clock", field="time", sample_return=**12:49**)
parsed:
**6:04**
